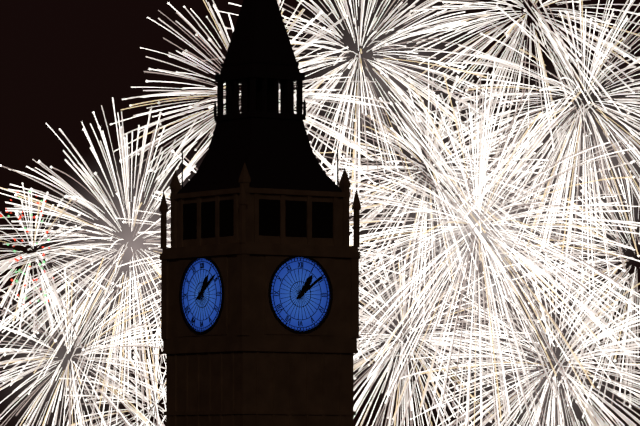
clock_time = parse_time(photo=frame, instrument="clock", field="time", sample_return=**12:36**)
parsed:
**1:09**
